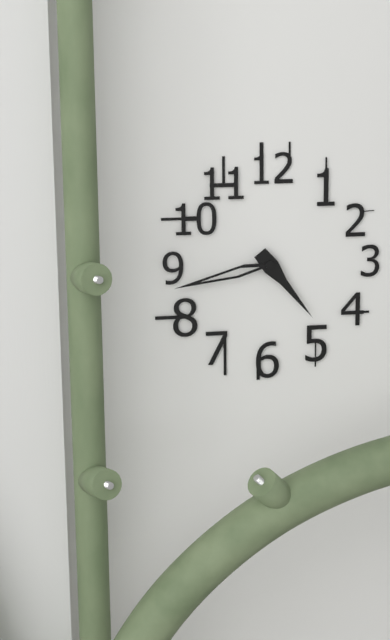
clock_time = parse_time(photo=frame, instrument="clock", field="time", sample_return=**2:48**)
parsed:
**4:43**
